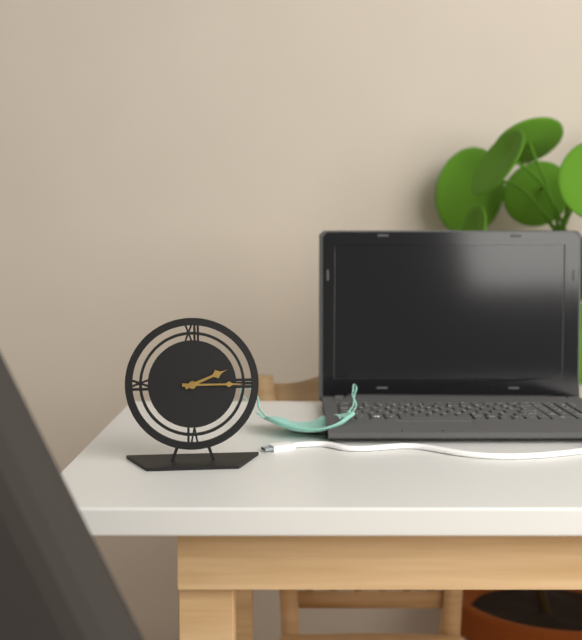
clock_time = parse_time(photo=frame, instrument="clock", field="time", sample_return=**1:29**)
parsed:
**2:15**
